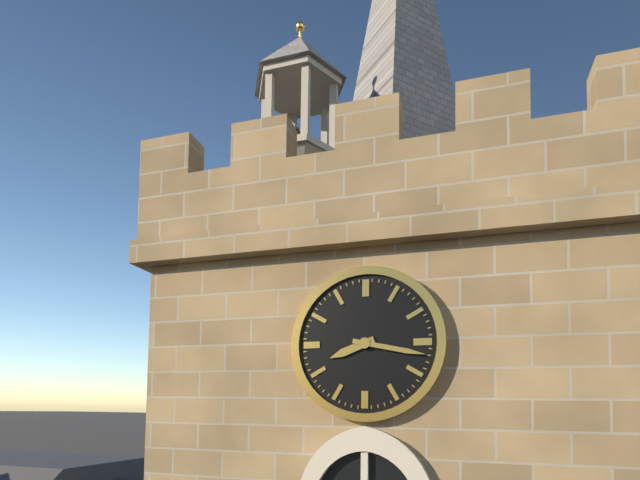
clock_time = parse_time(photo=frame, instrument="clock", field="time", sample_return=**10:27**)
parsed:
**8:17**
